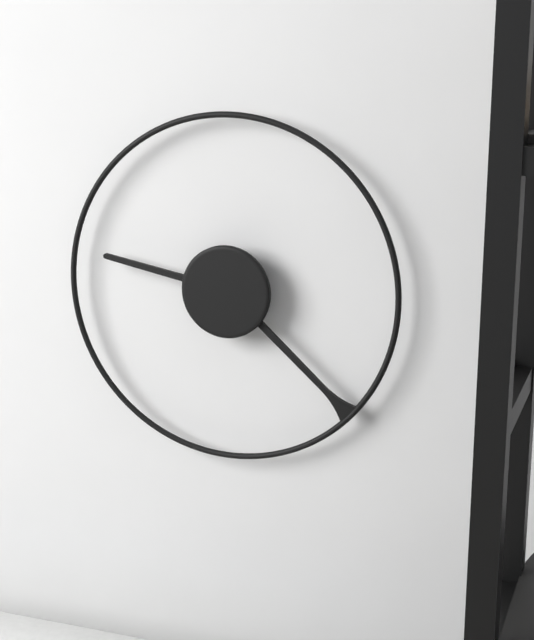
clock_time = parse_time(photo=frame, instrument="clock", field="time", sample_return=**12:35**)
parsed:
**9:22**
